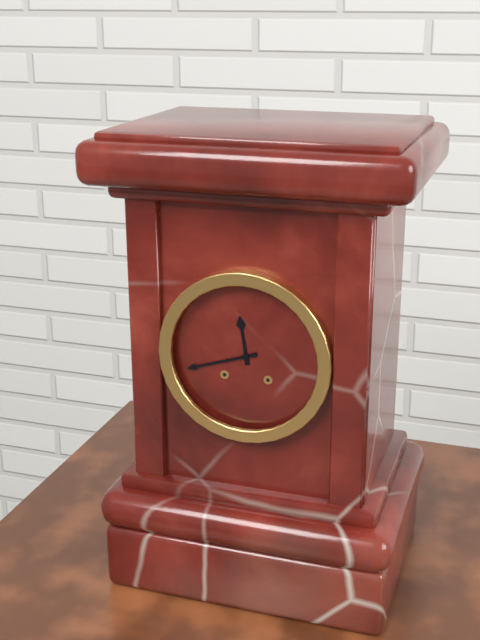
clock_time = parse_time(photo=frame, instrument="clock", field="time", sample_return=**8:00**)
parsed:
**11:42**
